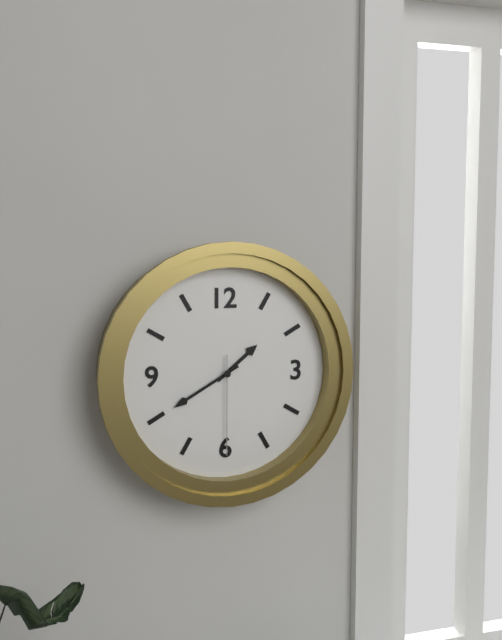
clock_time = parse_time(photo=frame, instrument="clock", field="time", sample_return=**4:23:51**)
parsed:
**1:40:30**
